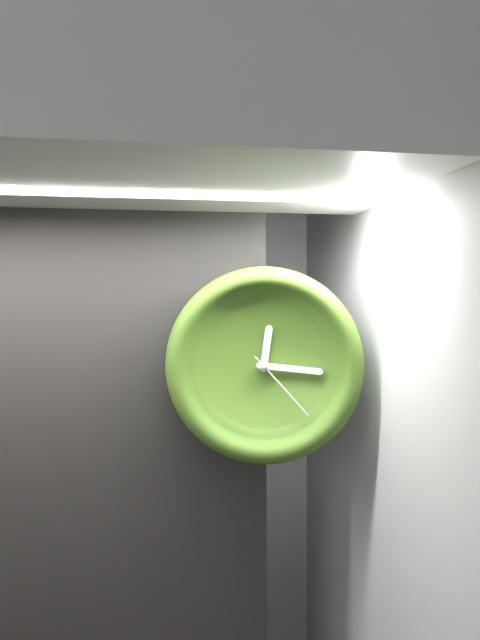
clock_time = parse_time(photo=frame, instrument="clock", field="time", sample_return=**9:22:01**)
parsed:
**12:16:23**
